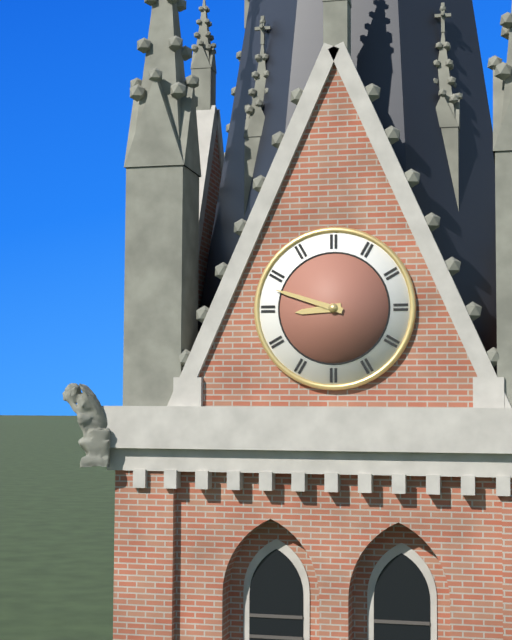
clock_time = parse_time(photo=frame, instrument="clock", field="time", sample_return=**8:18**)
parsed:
**8:48**
